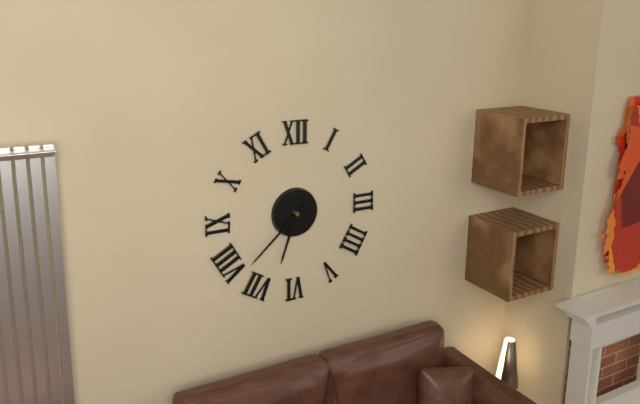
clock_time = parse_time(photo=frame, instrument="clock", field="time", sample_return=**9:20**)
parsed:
**6:38**
